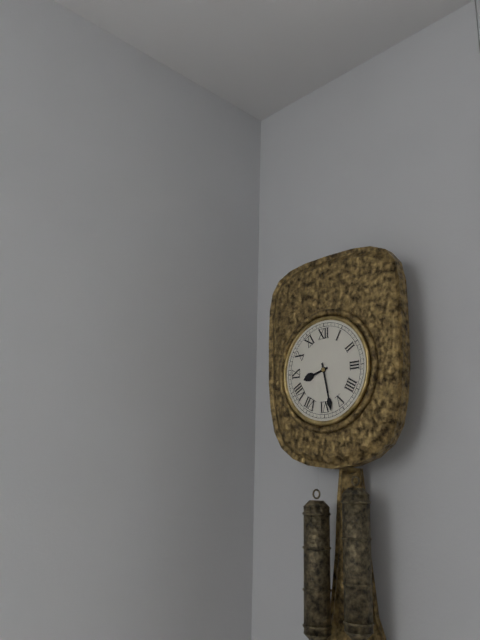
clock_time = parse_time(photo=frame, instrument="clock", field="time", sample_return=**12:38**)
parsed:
**8:28**
